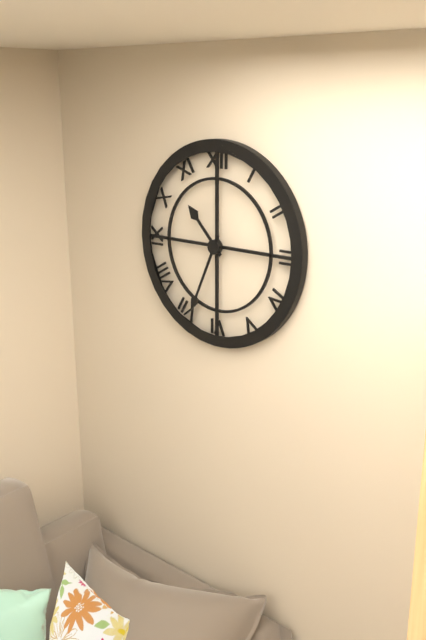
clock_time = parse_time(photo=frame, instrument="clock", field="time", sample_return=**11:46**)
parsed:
**10:34**
